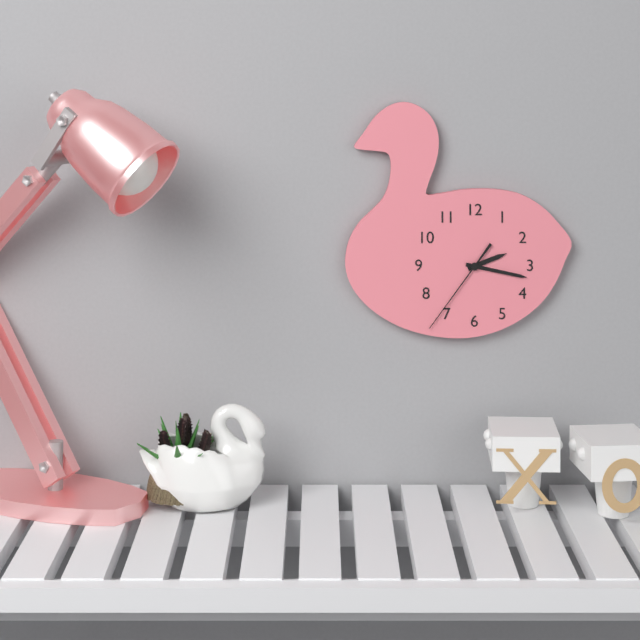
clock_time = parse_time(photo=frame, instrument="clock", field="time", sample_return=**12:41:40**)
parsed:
**2:17:36**
